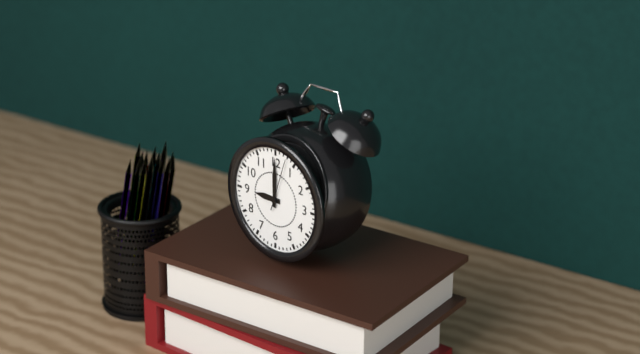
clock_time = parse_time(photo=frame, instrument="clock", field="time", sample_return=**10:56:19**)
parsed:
**9:00:03**
